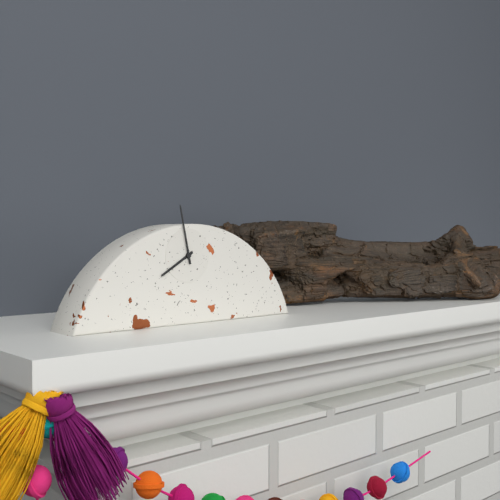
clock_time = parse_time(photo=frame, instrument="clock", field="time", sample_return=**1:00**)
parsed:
**7:58**
